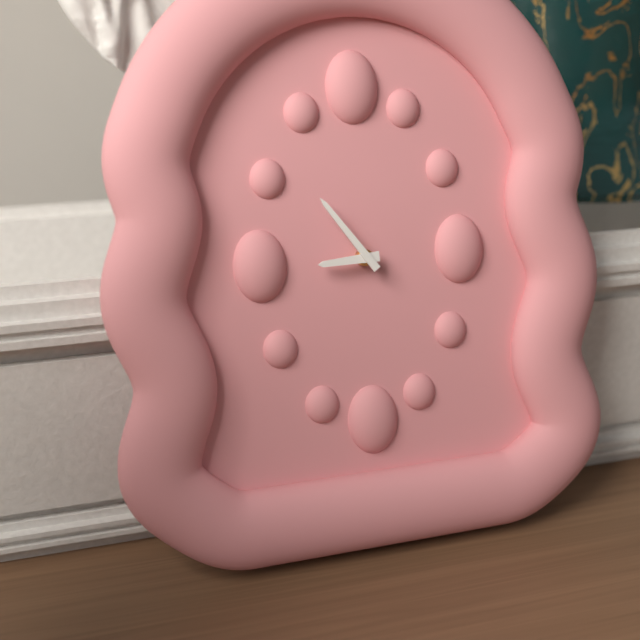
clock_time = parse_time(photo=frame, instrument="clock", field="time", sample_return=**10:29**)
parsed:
**8:54**
